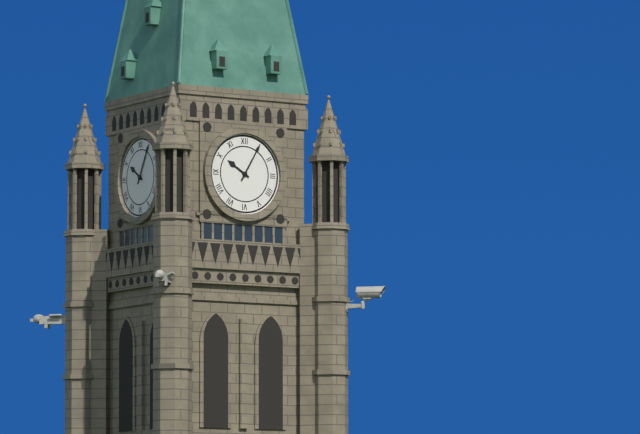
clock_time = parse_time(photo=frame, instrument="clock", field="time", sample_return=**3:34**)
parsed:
**10:05**
